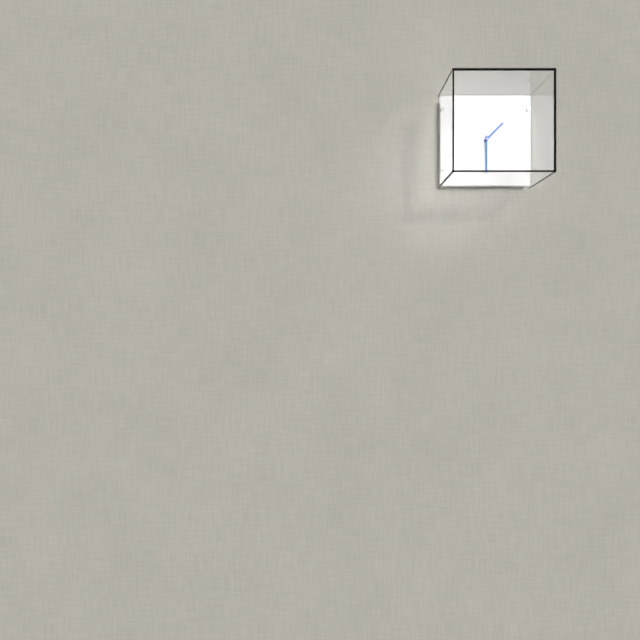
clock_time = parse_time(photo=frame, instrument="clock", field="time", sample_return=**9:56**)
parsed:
**1:30**
